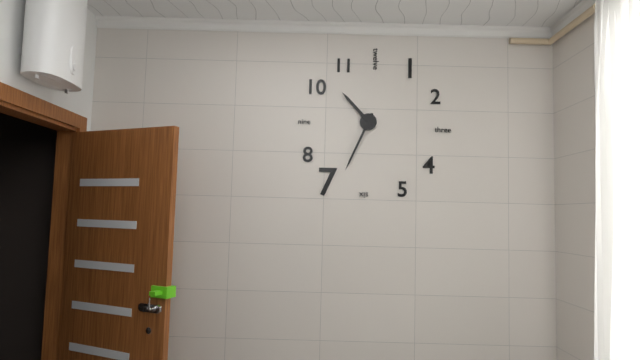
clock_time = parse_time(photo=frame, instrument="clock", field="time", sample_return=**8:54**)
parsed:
**10:34**
